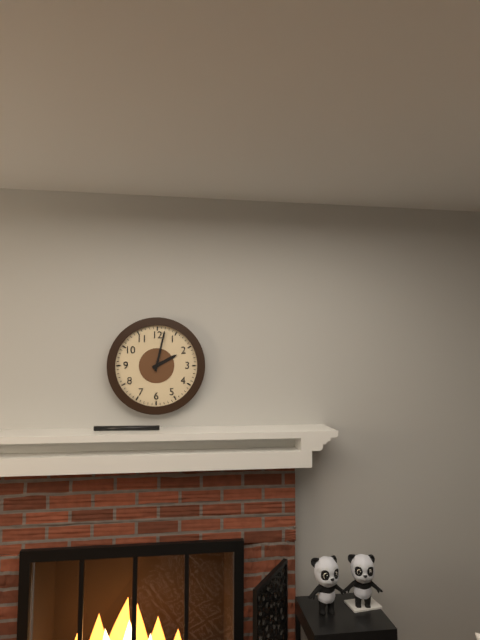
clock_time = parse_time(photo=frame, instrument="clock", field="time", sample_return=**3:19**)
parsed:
**2:02**
